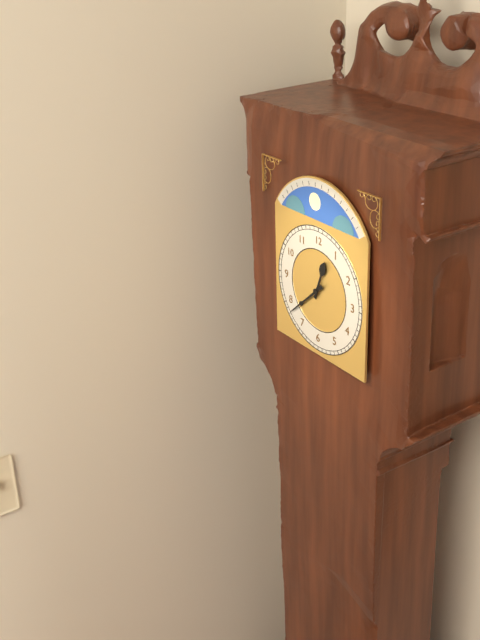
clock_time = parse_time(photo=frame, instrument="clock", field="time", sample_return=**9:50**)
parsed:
**12:38**
